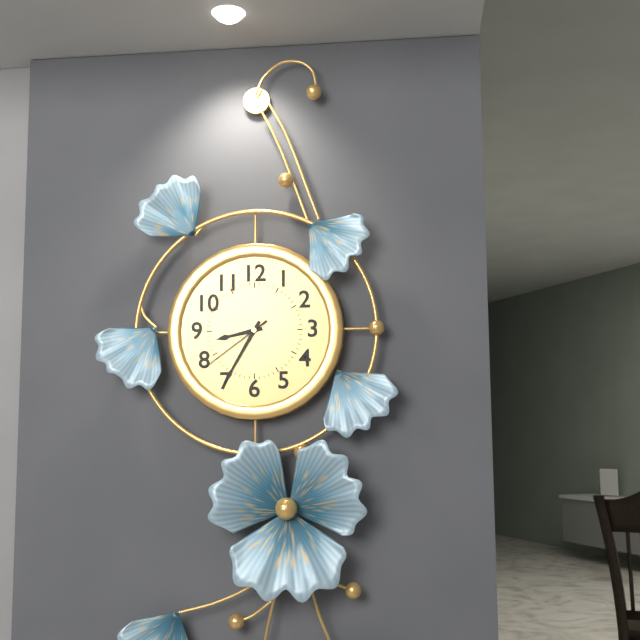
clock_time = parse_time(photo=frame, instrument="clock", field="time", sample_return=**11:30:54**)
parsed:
**8:35:39**
